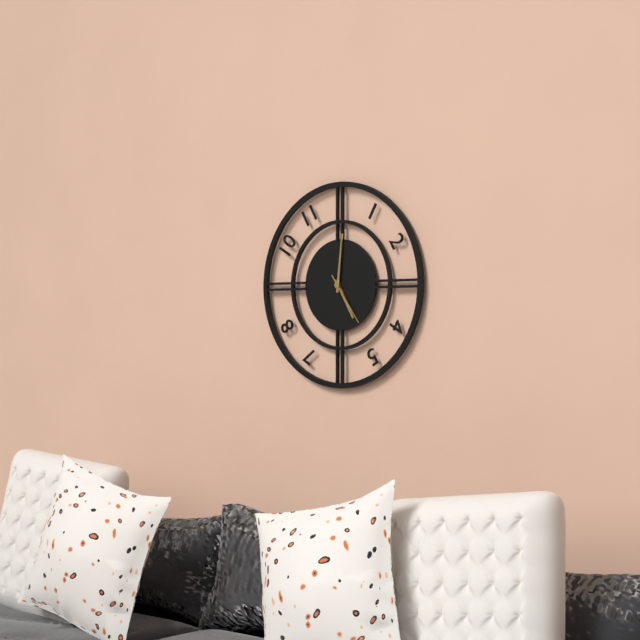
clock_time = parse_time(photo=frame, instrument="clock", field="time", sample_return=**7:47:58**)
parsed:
**5:01:24**
